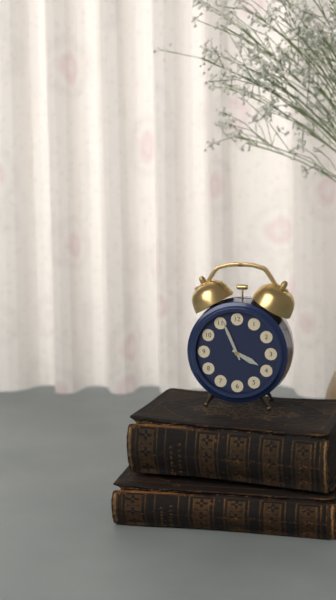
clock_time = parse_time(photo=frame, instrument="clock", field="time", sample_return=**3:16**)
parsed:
**3:56**
